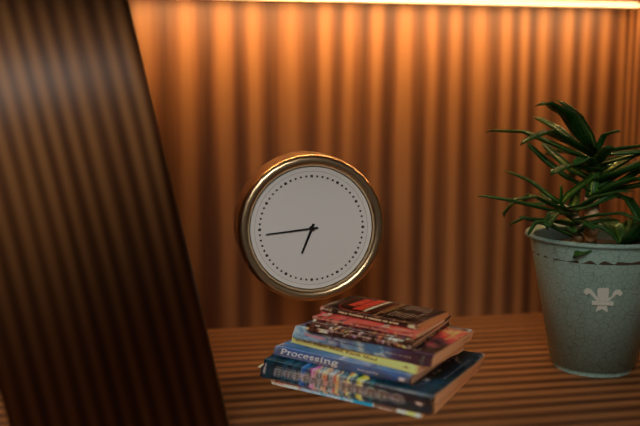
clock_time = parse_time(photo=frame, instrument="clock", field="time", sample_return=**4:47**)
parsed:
**6:44**
